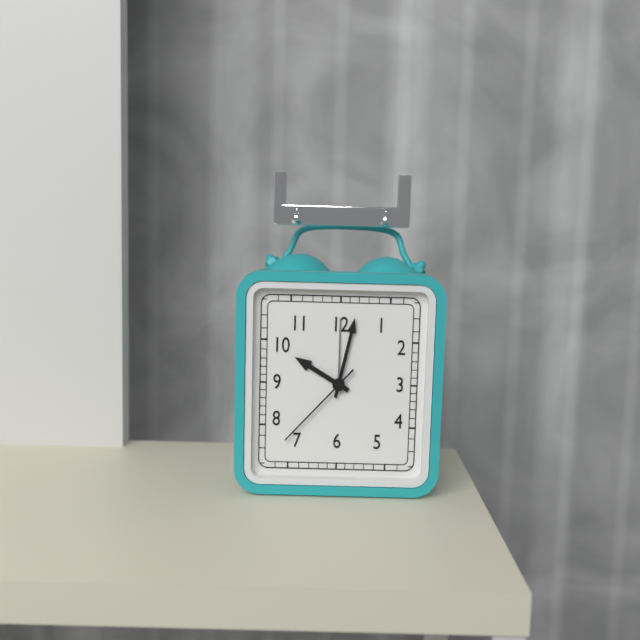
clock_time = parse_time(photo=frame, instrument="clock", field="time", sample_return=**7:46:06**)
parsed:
**10:02:37**
